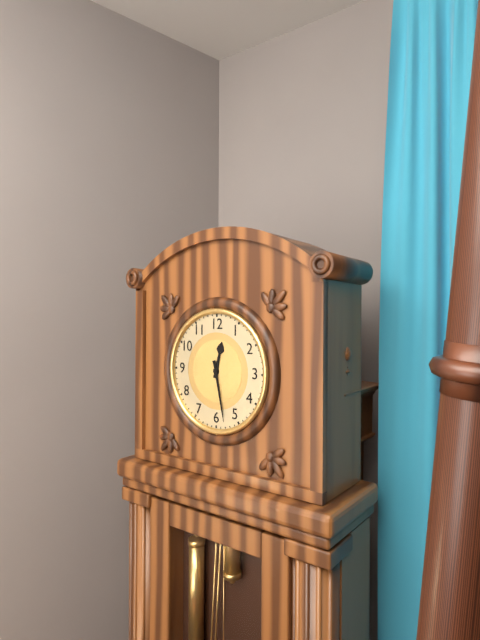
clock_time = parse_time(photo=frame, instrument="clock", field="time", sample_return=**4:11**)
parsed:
**12:28**
